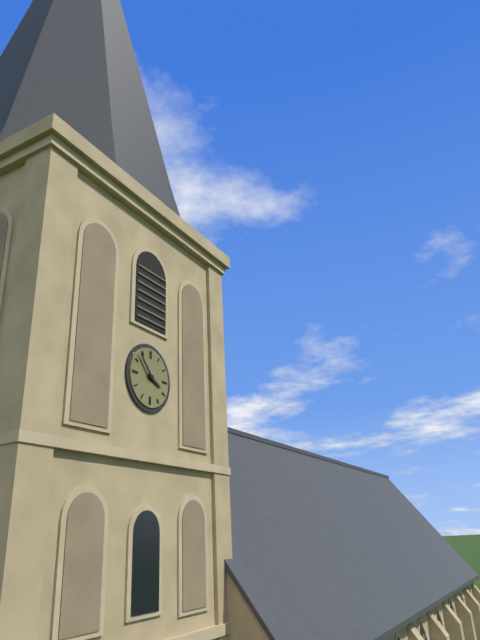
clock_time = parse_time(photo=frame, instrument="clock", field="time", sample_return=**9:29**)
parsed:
**3:53**
